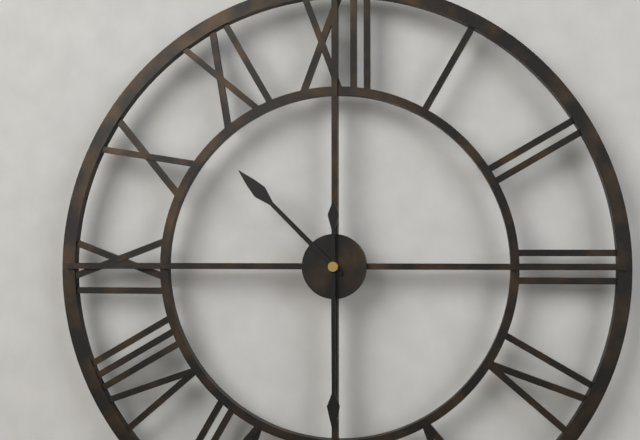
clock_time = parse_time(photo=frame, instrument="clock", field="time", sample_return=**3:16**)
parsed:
**10:30**
